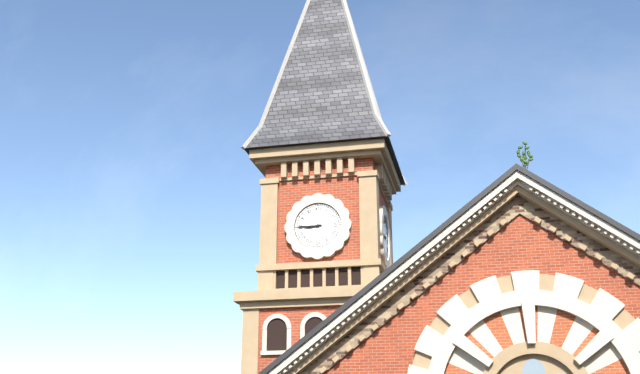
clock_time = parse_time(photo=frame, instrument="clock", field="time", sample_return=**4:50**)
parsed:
**8:45**
